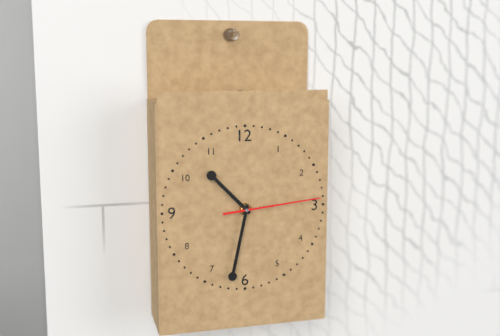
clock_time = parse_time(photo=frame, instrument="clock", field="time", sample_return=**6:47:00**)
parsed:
**10:32:14**
